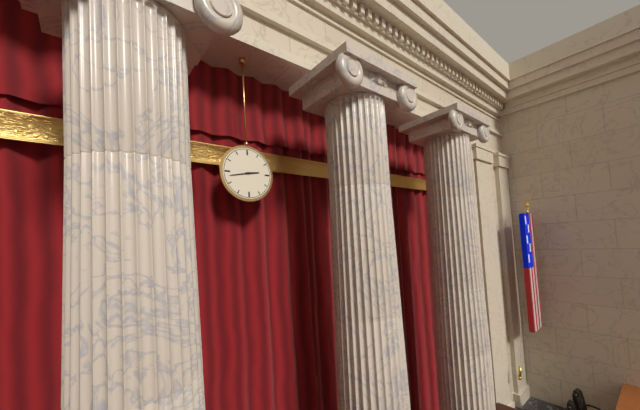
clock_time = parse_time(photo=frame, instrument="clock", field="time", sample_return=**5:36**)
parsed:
**2:43**
